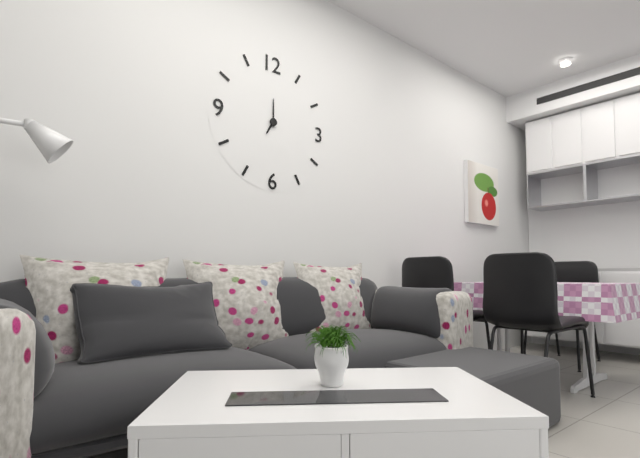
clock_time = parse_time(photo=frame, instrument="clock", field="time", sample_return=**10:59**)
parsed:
**7:00**
